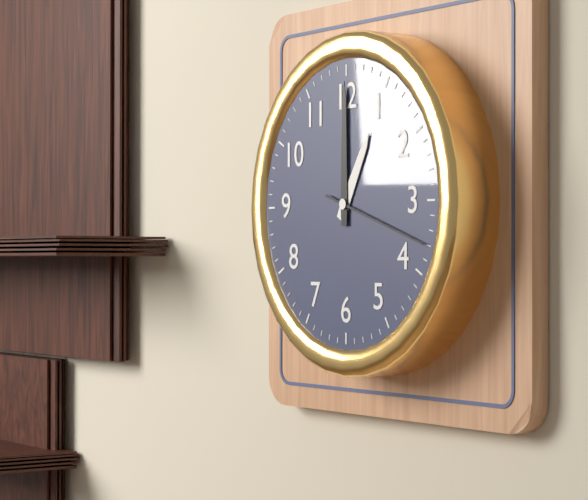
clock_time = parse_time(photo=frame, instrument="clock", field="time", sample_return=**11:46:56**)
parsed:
**1:00:18**
